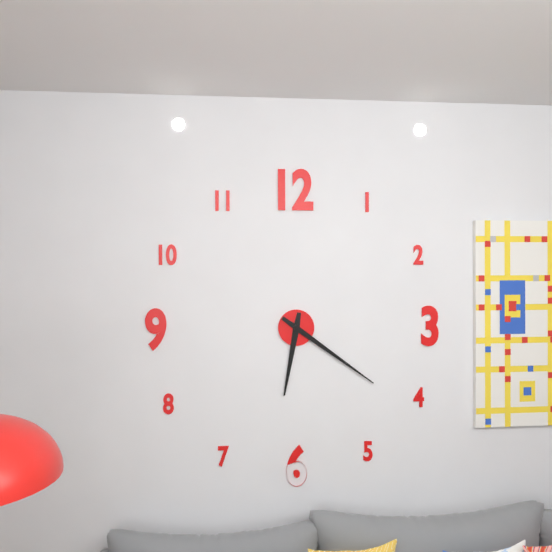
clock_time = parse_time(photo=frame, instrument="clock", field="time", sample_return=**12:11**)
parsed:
**6:21**
